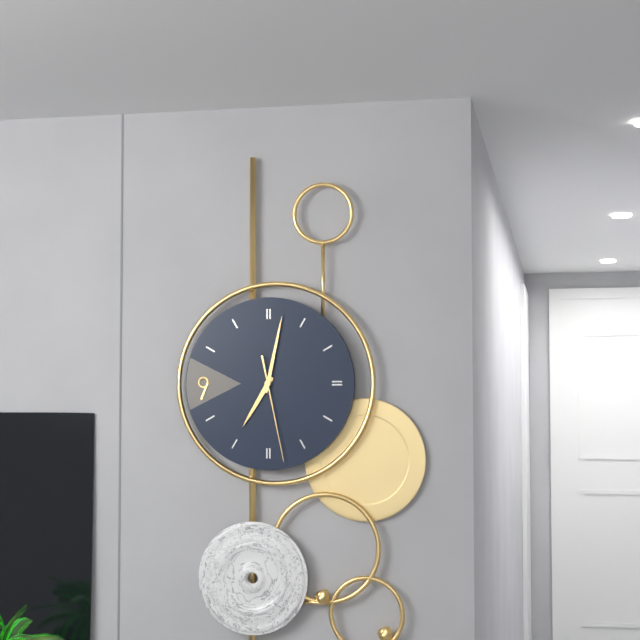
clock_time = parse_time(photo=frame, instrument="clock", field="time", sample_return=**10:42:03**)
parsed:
**7:02:28**
